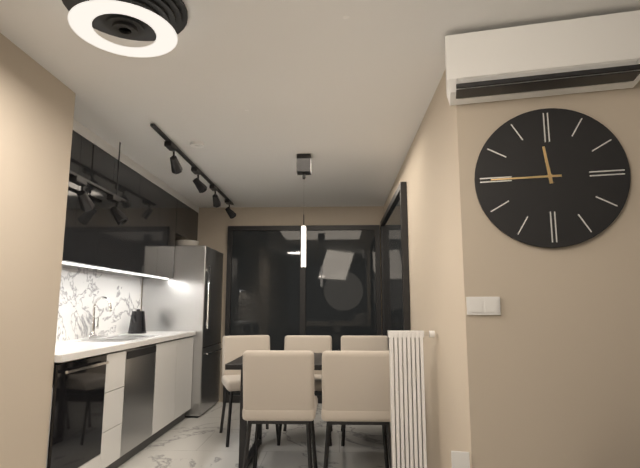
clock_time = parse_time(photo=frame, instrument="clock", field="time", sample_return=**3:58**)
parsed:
**11:45**
